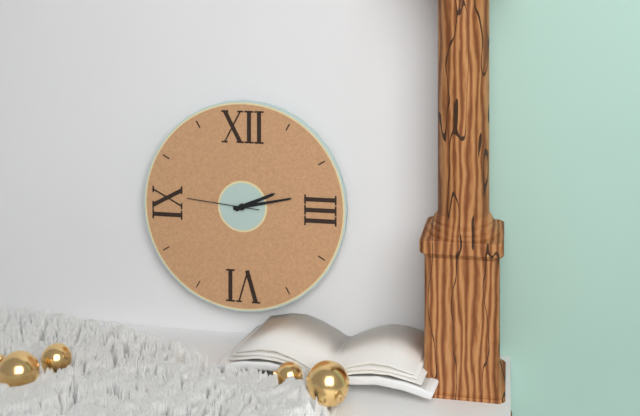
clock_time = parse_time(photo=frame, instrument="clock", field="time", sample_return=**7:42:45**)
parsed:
**2:13:46**
